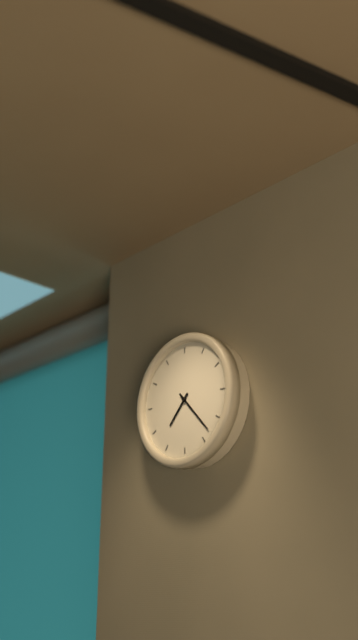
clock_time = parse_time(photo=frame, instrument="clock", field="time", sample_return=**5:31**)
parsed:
**7:23**
